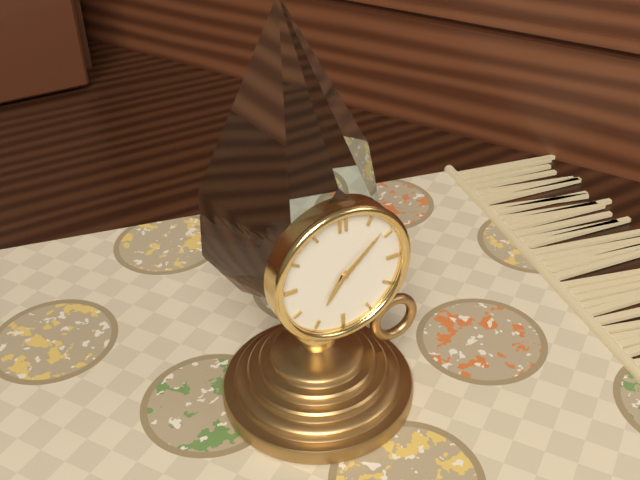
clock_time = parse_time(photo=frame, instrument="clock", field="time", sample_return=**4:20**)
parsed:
**7:08**
